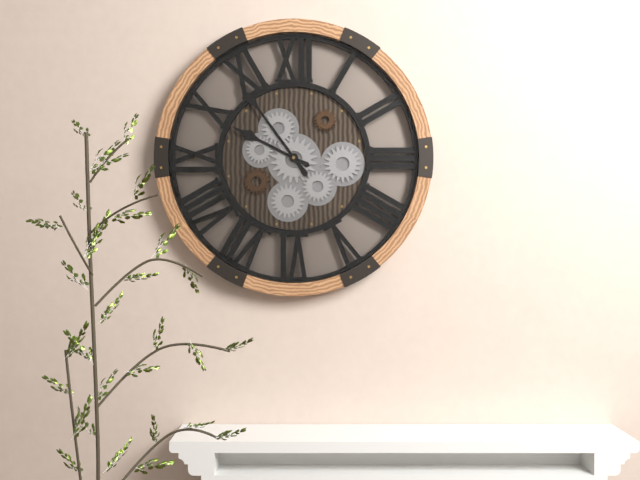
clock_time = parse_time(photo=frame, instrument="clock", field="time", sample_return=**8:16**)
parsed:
**9:54**
